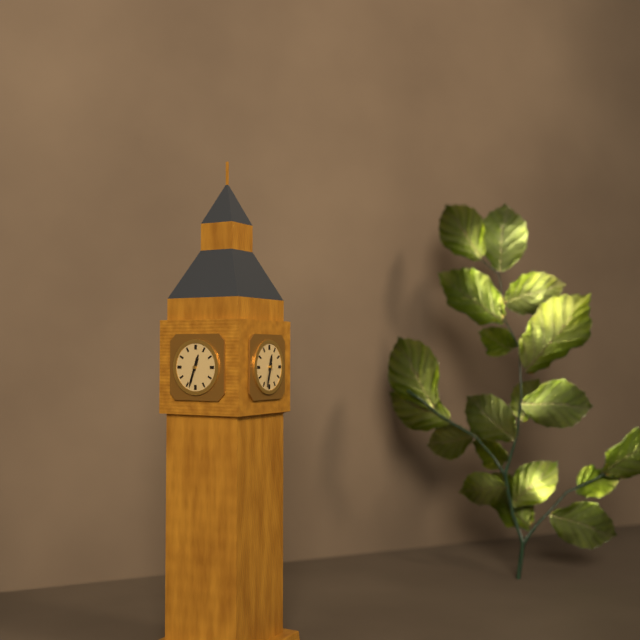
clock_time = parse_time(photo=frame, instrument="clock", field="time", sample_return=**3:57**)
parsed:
**12:33**
